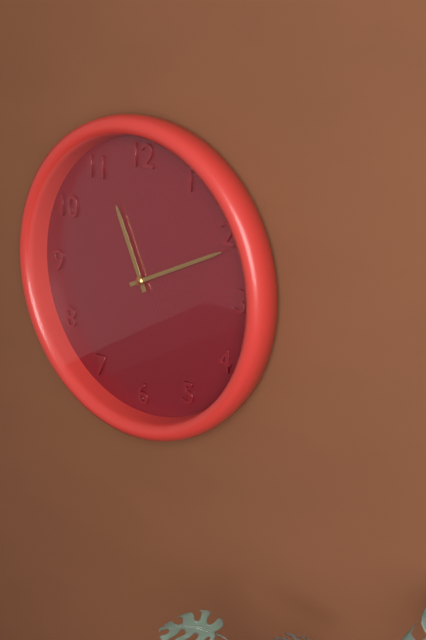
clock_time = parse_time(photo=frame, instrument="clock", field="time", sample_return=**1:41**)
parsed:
**11:11**
